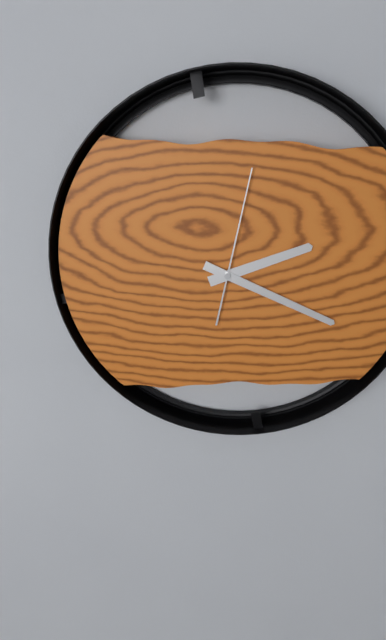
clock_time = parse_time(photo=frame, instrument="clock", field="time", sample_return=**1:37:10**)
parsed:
**2:19:02**
